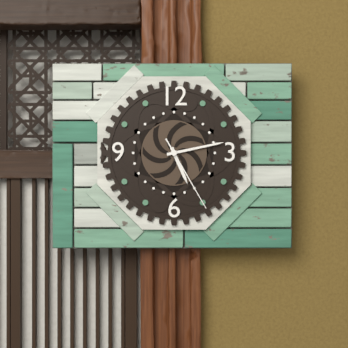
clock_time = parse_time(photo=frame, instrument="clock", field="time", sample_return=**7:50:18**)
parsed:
**5:13:25**
